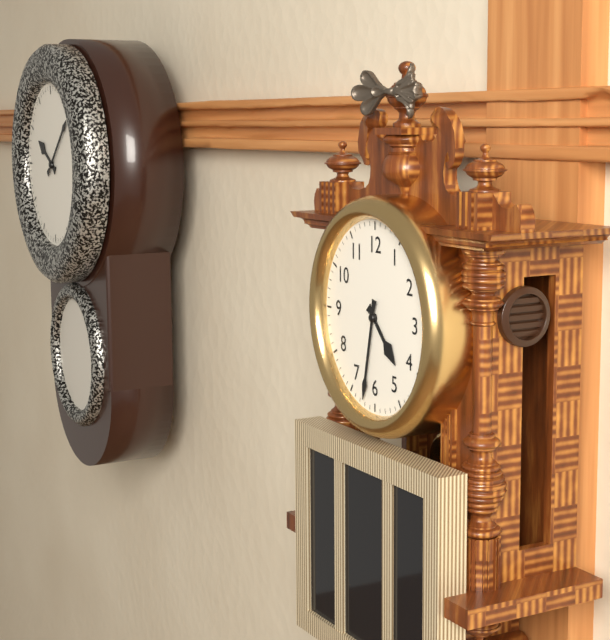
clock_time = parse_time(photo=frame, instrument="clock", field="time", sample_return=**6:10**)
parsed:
**4:32**
